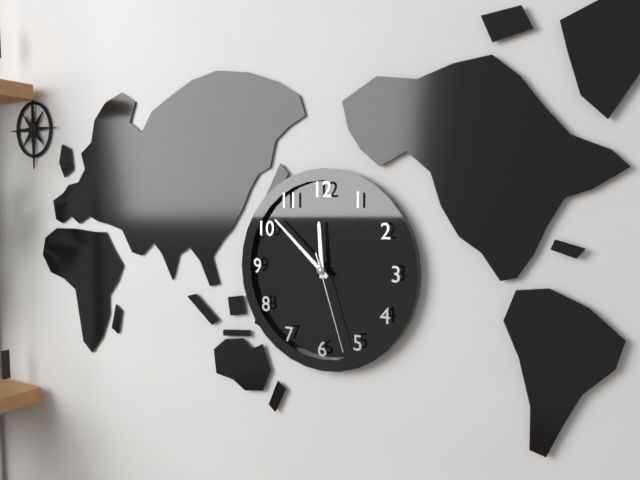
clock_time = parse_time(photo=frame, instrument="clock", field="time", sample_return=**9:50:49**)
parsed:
**11:52:27**
